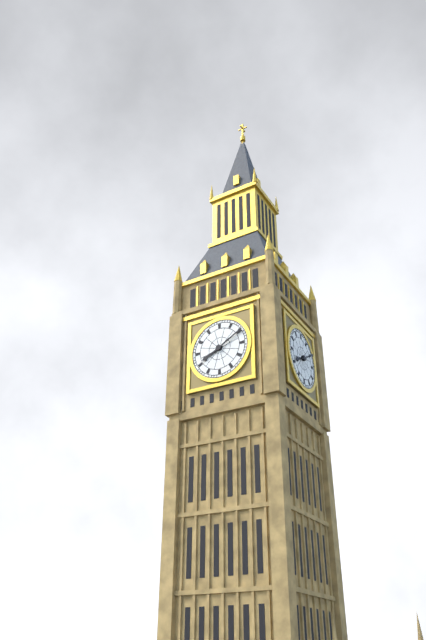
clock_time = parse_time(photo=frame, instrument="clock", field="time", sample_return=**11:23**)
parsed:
**8:10**
